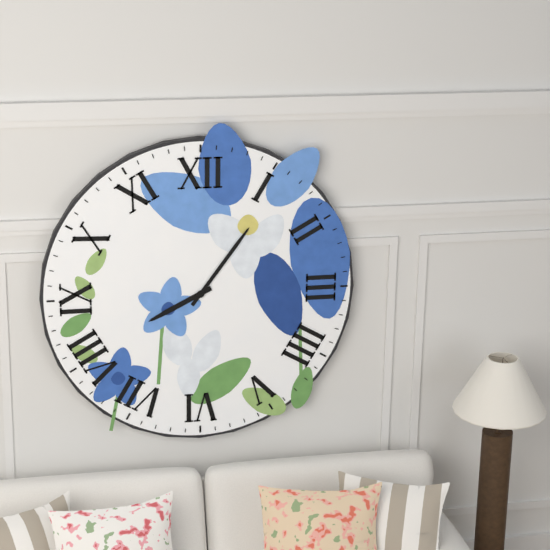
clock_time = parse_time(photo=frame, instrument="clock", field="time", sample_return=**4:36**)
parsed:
**8:06**
